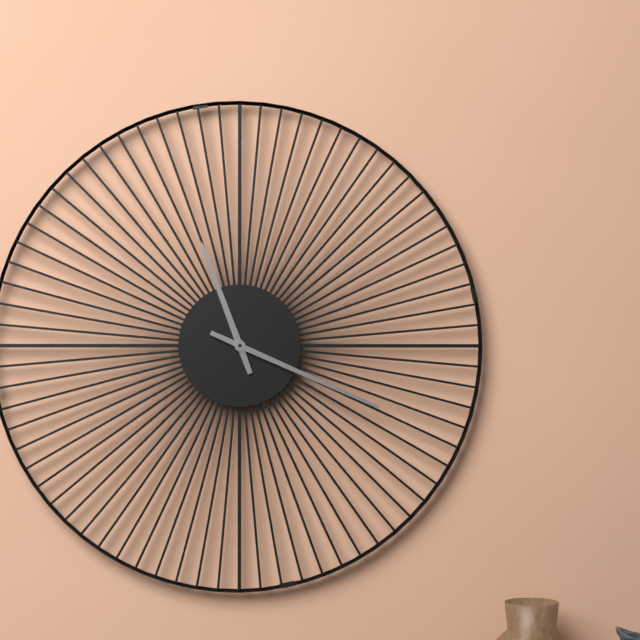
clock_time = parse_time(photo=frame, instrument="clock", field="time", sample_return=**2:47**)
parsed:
**11:19**
